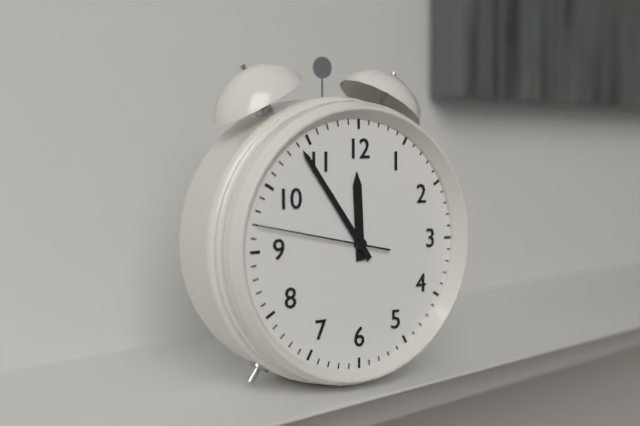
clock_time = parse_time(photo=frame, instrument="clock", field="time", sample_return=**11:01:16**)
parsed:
**11:54:47**
